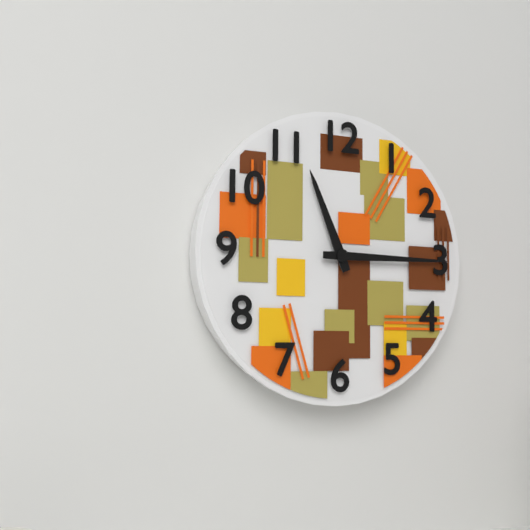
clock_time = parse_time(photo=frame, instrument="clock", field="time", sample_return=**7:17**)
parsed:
**11:15**
